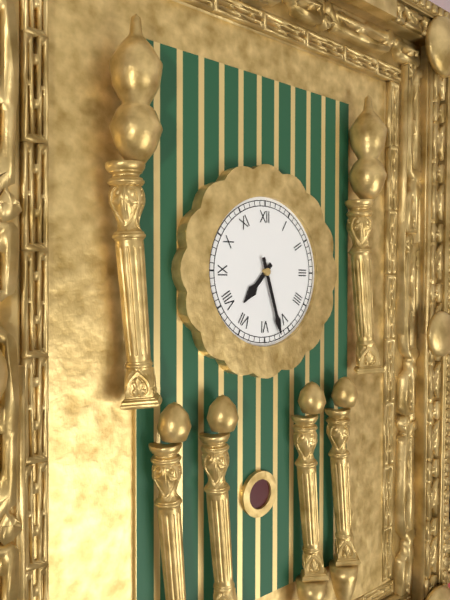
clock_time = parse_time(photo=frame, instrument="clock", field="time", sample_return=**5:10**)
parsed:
**7:27**
